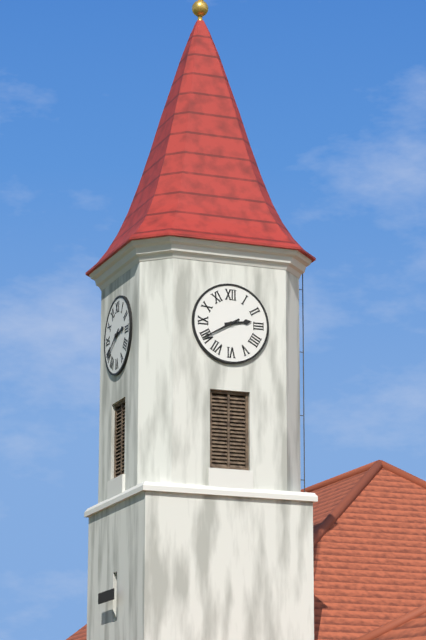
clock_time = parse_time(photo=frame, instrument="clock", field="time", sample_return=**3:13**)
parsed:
**2:40**
